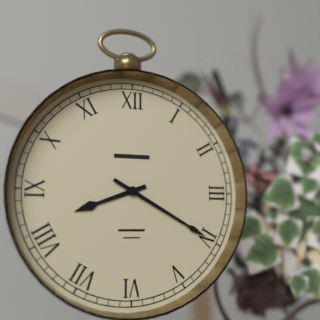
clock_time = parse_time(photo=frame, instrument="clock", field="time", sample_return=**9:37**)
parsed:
**8:20**
